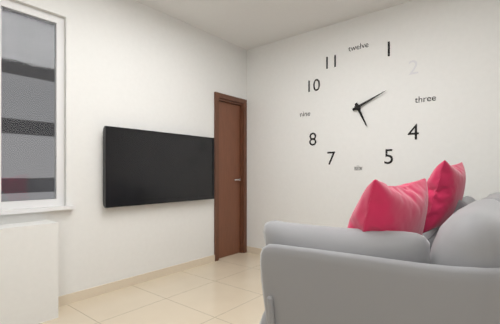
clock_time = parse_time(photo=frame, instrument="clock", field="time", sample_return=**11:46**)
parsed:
**5:11**
